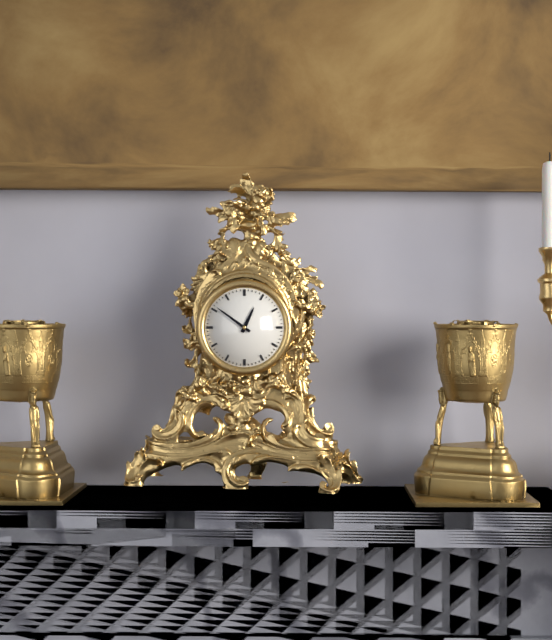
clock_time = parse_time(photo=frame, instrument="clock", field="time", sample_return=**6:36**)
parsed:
**12:51**
